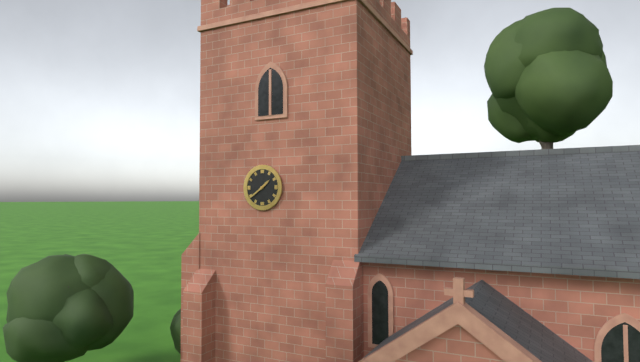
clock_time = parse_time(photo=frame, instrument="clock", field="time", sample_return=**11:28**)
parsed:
**1:39**
